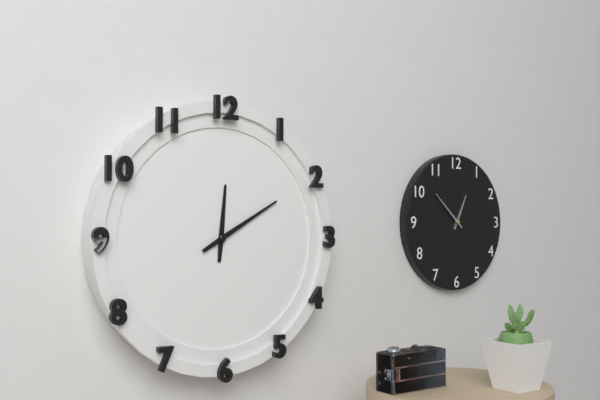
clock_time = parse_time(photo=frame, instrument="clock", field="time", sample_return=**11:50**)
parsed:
**12:10**
